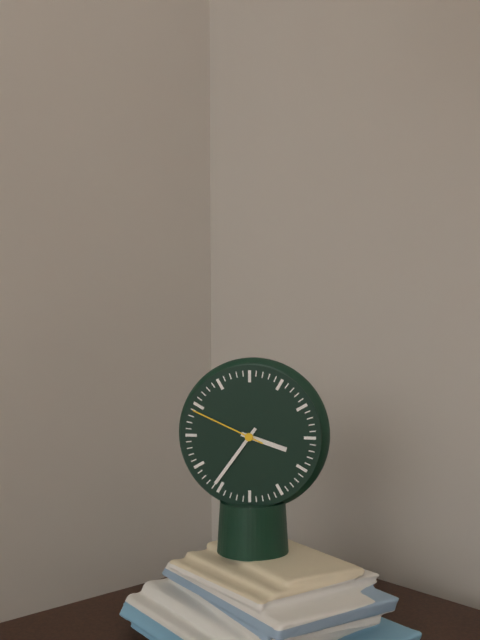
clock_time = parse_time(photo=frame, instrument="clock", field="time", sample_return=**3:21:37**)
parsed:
**3:36:49**
